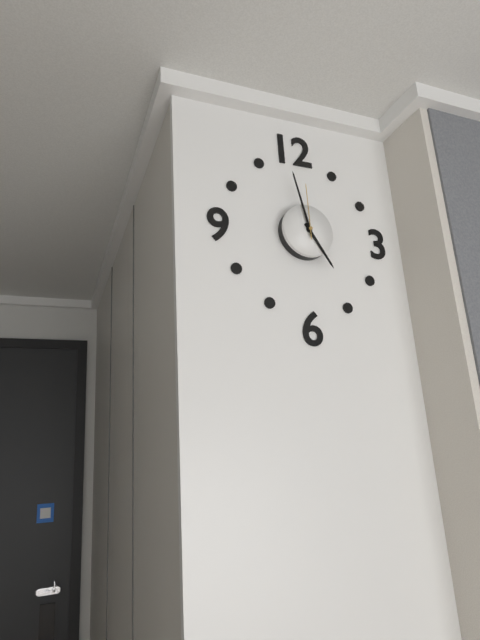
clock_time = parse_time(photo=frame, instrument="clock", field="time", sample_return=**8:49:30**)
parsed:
**4:58:00**
